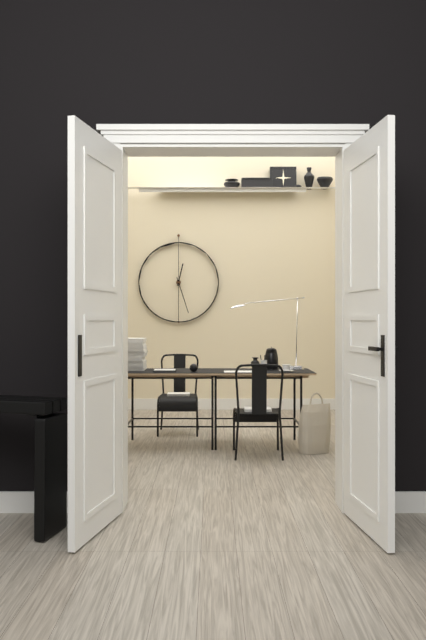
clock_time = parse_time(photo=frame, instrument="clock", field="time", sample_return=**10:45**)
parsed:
**12:27**
